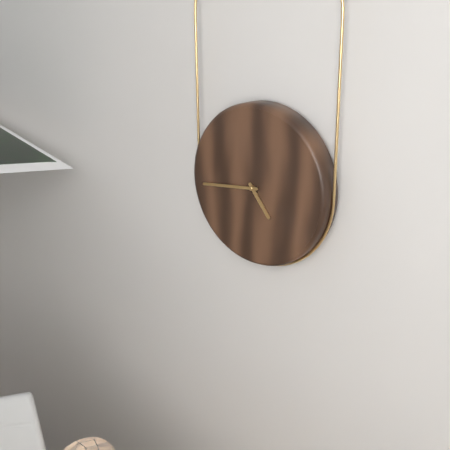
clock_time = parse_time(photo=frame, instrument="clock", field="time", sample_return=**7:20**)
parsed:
**4:44**
